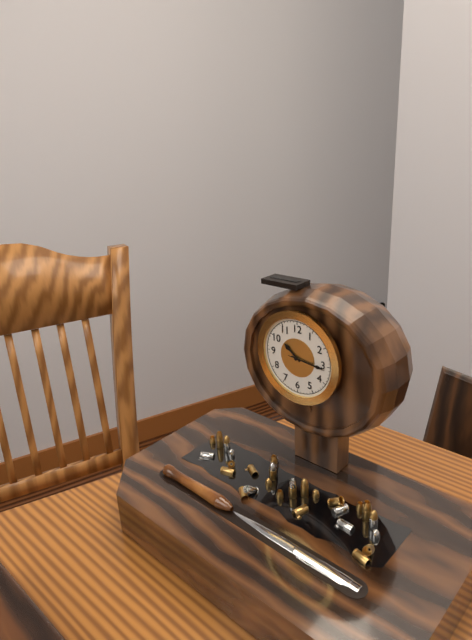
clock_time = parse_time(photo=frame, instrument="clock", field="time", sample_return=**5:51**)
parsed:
**10:16**
